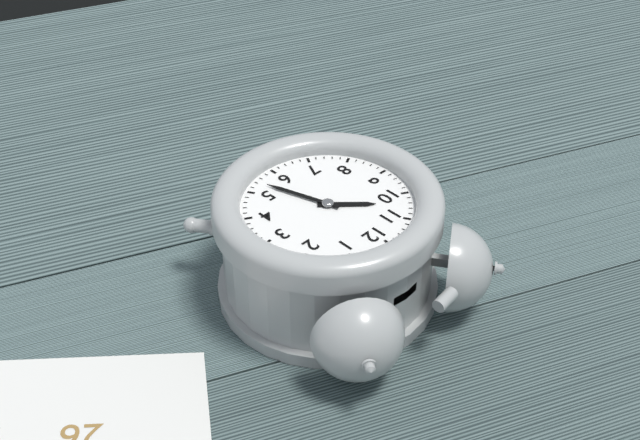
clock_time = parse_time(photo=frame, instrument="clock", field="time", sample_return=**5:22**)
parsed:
**10:27**
